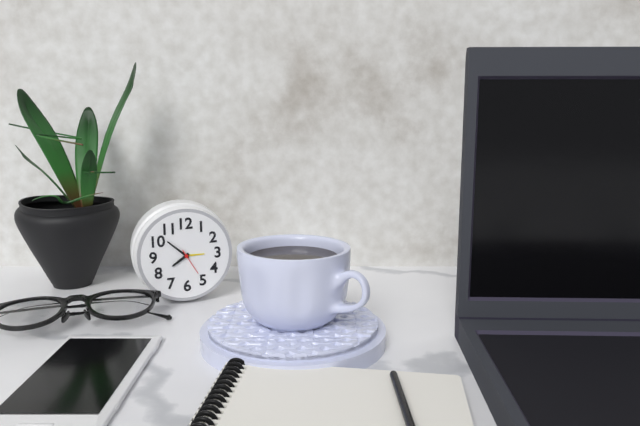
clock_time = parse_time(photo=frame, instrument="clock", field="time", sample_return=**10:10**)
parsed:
**7:52**
